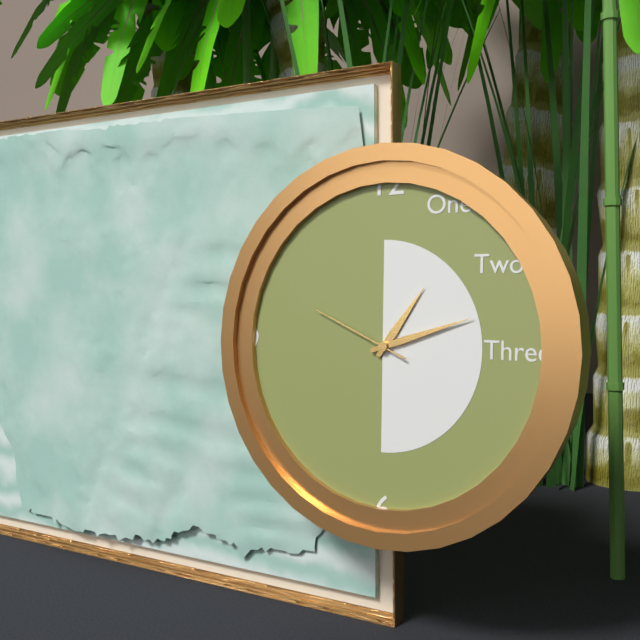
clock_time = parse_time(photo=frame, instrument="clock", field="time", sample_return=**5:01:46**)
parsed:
**1:12:49**
